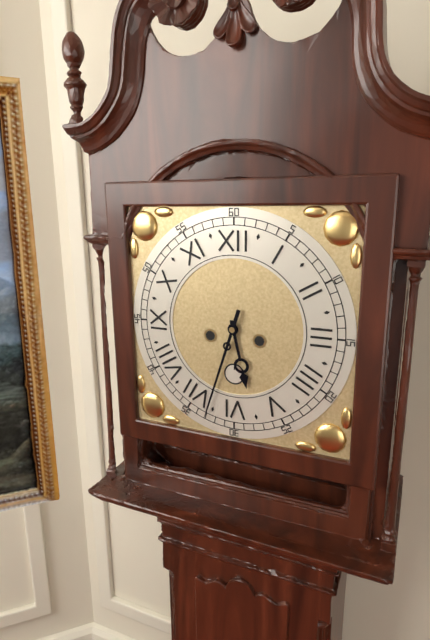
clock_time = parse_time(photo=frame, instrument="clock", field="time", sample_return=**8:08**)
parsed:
**5:33**
